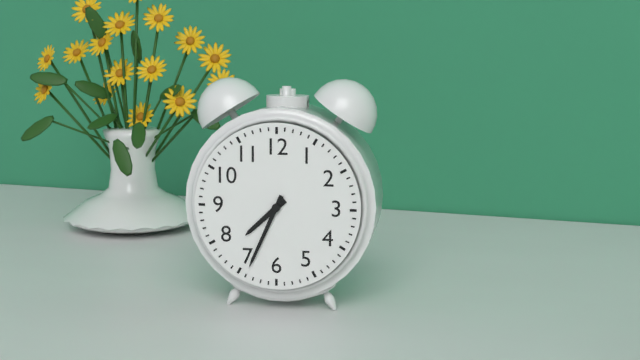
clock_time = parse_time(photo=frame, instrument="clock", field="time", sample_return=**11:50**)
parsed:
**7:34**
